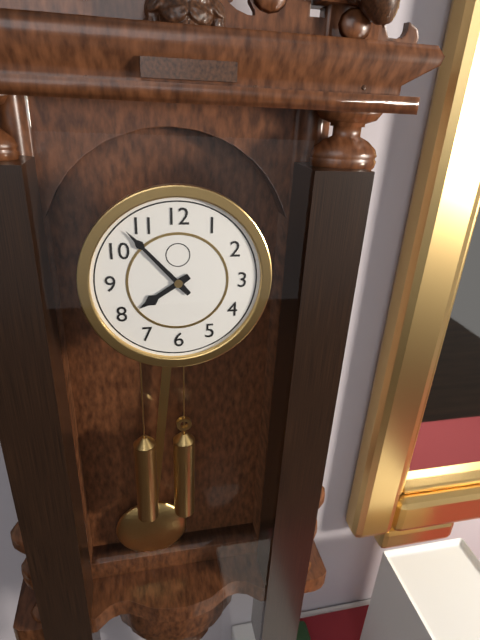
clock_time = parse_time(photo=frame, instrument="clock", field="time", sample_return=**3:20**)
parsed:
**7:53**
